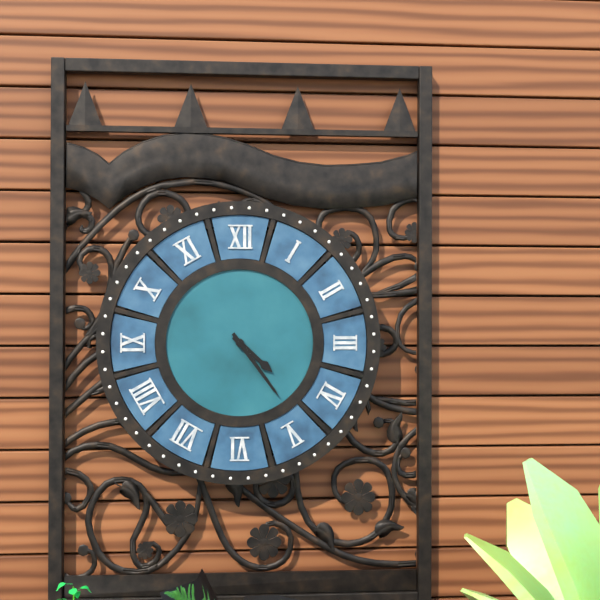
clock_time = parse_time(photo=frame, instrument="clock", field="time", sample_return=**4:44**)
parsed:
**4:24**
